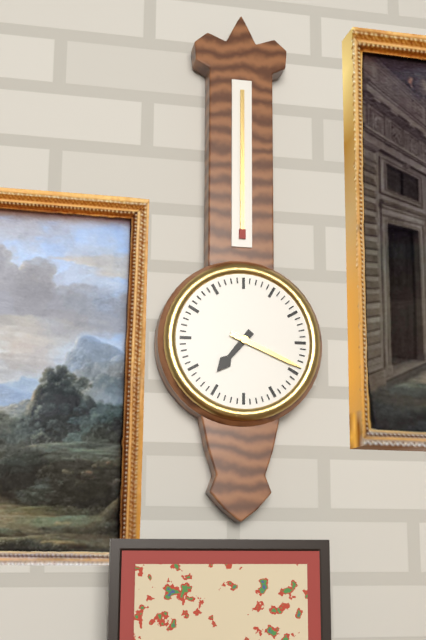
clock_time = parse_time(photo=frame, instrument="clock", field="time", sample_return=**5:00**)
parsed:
**7:19**
